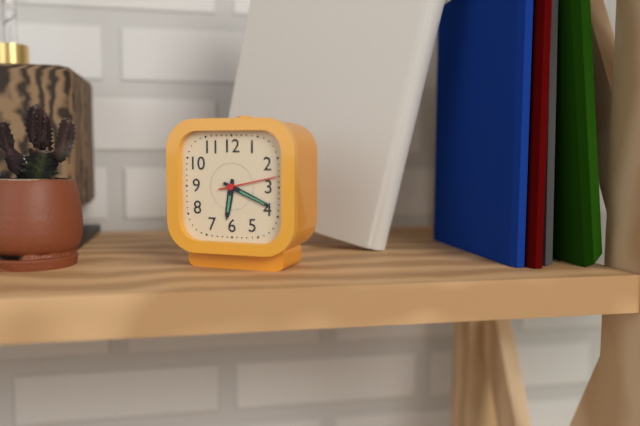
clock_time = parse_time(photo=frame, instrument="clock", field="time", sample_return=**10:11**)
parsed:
**6:19**
